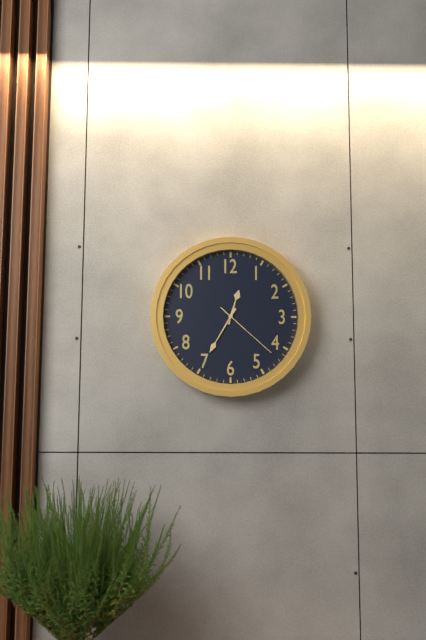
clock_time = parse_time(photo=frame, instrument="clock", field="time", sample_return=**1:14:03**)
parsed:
**12:35:22**
